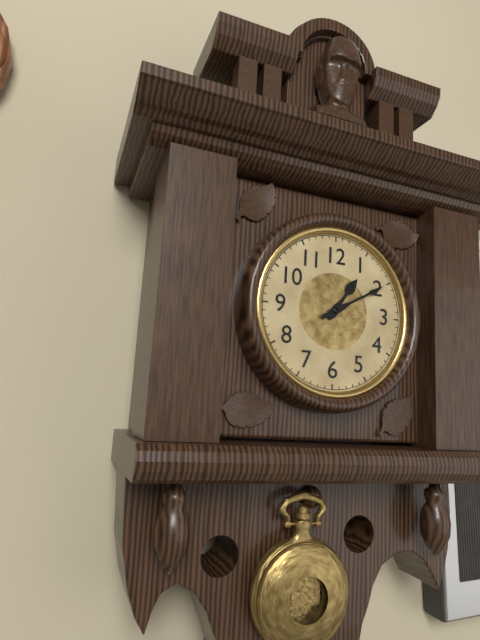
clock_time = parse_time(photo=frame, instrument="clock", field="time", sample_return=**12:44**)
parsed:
**1:10**
